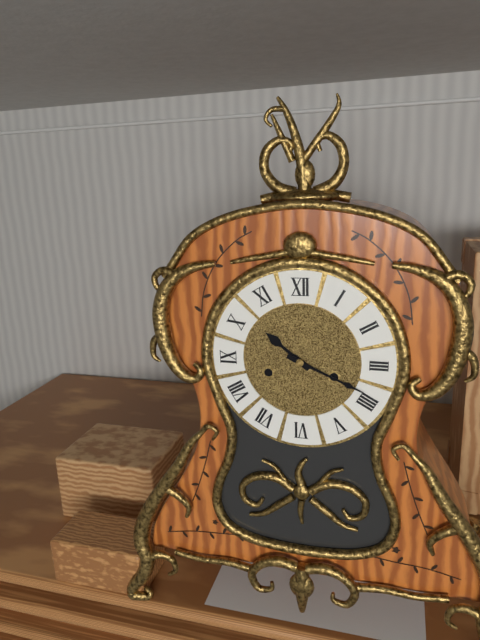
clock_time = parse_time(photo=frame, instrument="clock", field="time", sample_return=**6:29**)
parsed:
**10:19**
